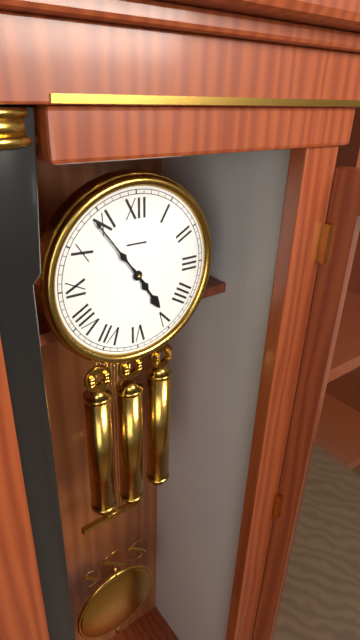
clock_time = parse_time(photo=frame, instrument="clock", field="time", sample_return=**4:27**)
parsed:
**4:54**
